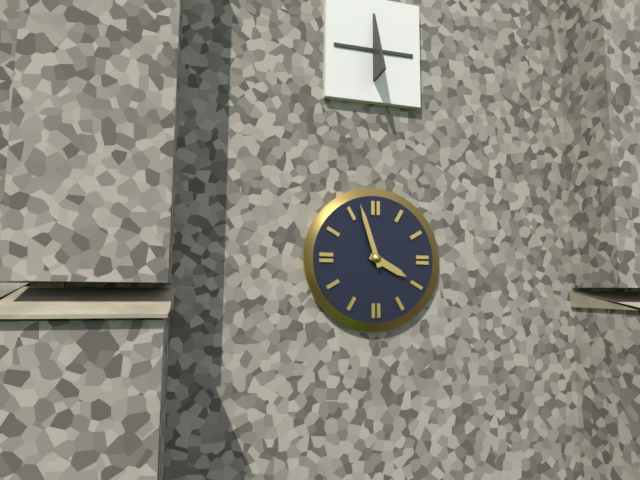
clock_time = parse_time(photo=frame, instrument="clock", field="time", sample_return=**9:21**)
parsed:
**3:57**
